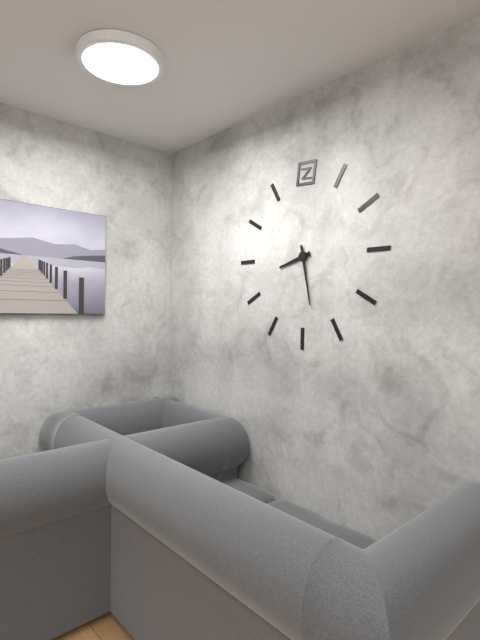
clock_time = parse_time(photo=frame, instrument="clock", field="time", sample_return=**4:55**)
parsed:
**8:28**
